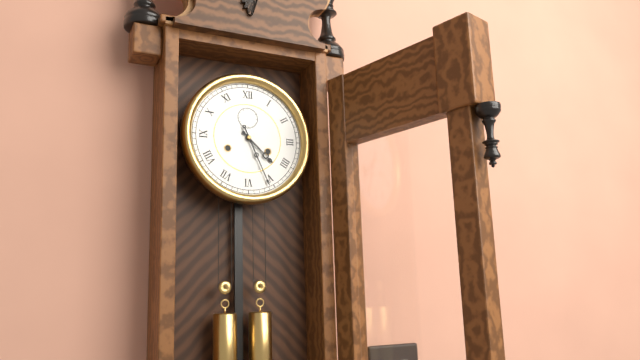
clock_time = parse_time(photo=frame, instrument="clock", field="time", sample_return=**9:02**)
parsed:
**4:26**
